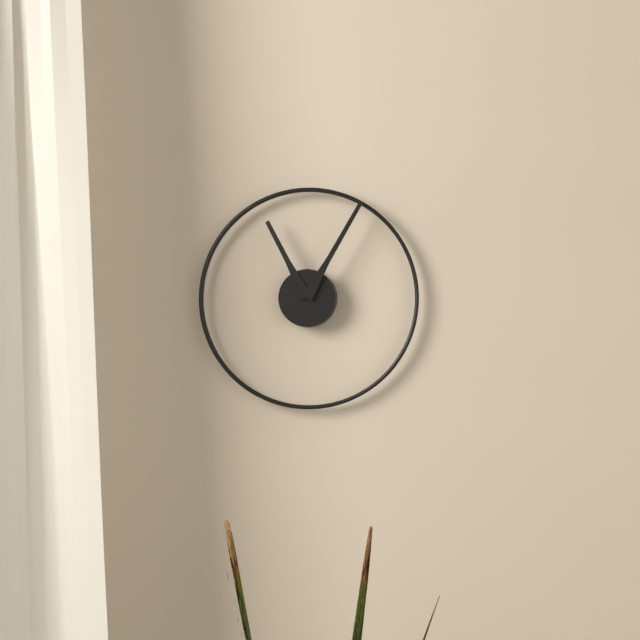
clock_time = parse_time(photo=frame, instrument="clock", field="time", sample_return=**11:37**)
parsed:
**11:05**
